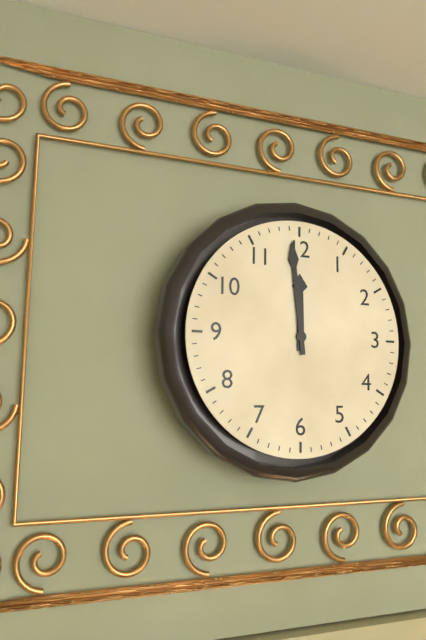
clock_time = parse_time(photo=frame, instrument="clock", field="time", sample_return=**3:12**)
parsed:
**11:59**
